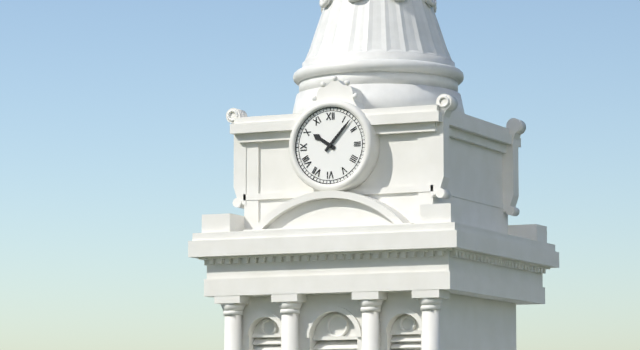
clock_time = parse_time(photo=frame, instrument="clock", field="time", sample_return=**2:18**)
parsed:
**10:07**
